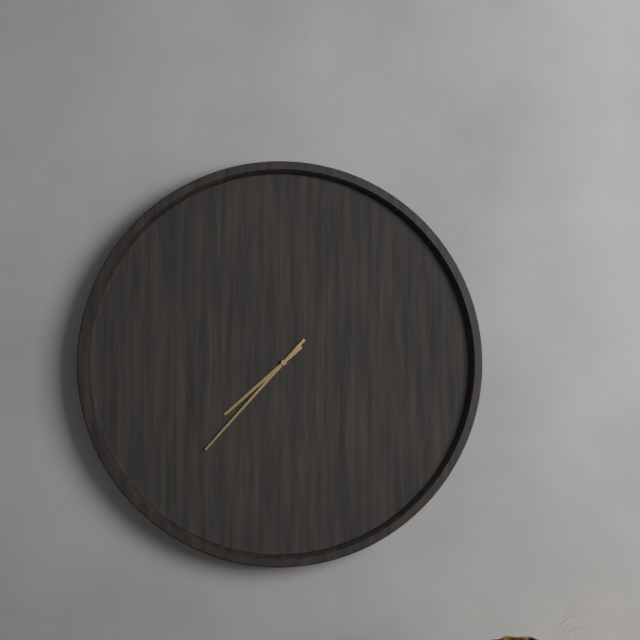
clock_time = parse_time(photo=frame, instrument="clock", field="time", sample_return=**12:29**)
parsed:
**7:37**
